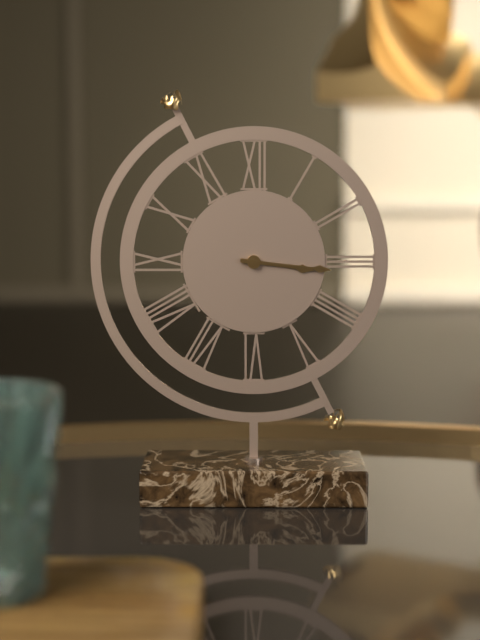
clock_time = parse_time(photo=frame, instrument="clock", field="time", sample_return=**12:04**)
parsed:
**3:16**
